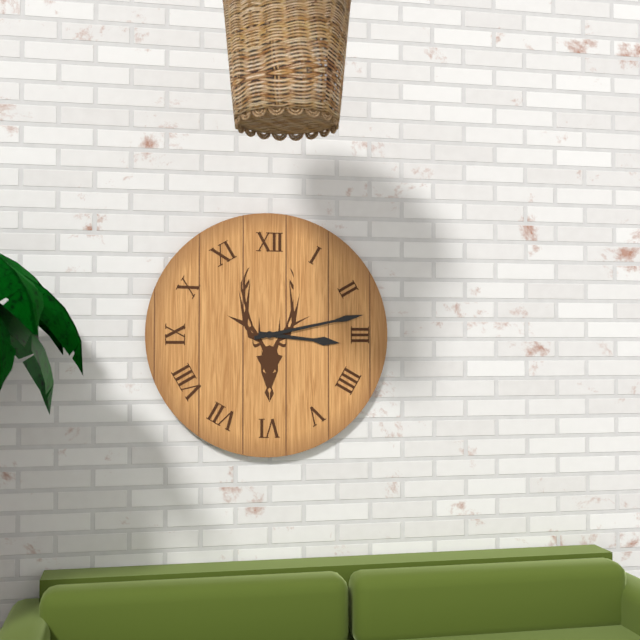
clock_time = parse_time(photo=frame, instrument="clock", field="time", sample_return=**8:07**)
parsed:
**3:13**
